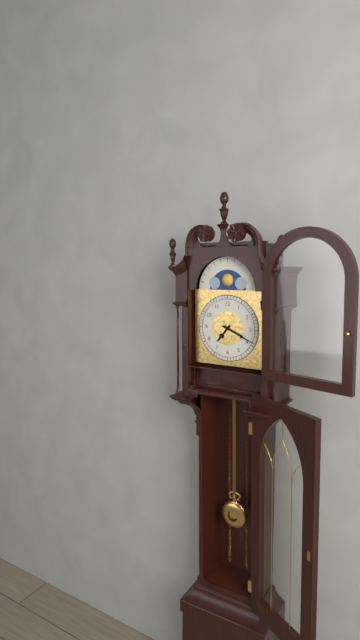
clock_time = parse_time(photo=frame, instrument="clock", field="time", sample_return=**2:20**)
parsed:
**7:19**
